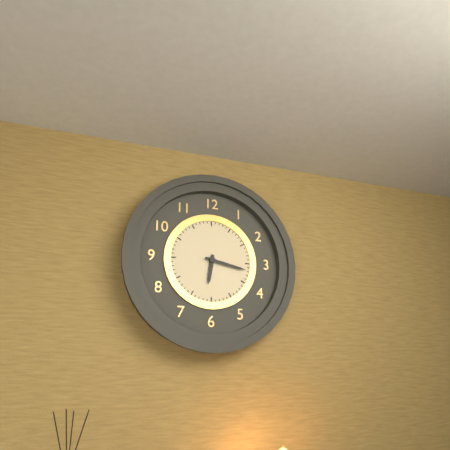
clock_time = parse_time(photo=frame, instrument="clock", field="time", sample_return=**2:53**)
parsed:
**6:17**
